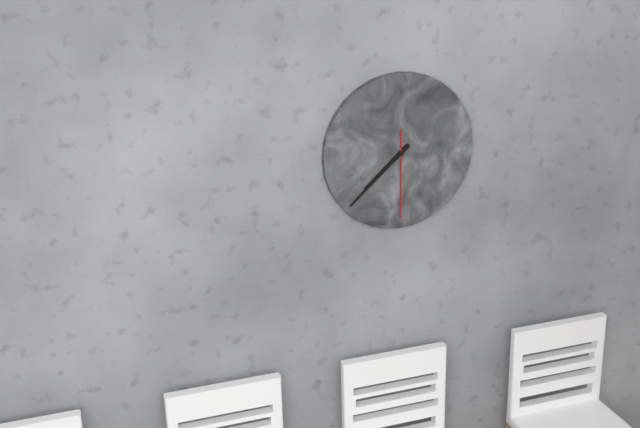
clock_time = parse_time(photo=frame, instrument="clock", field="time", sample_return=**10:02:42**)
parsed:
**7:38:30**
